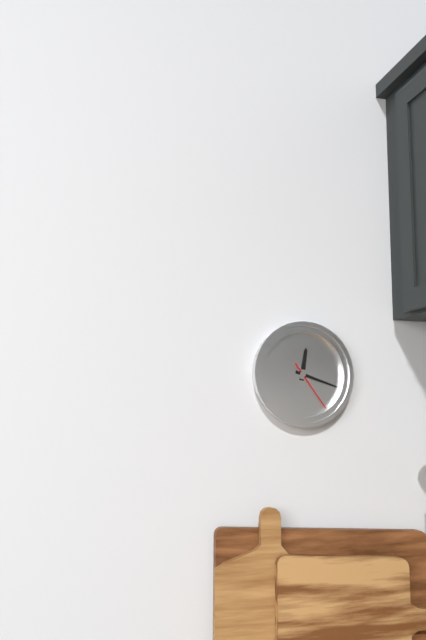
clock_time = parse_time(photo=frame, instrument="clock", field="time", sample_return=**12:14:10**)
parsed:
**12:18:24**
